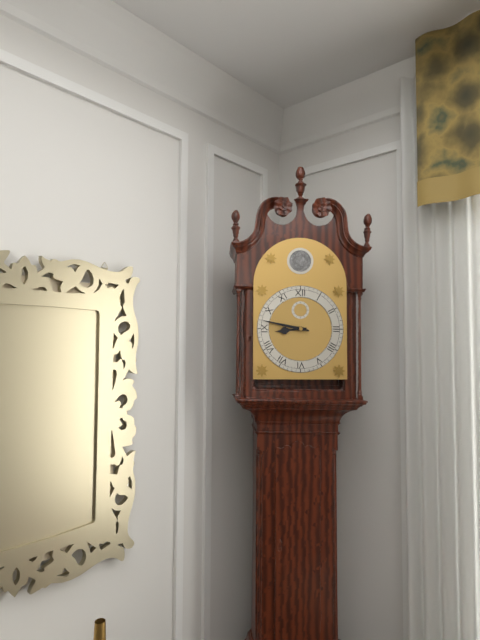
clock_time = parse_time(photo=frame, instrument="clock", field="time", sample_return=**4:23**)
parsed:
**8:47**
